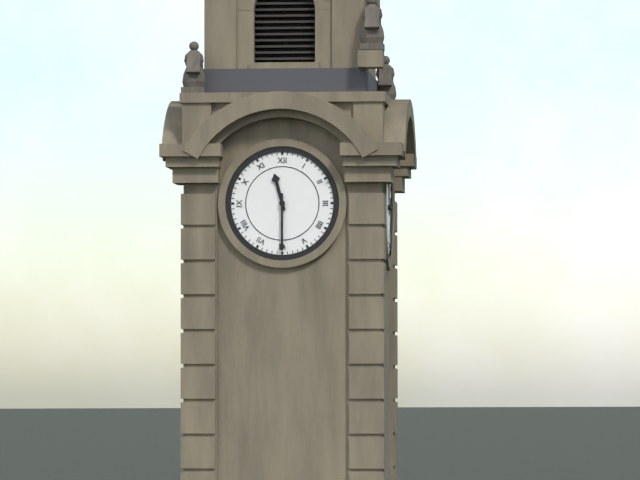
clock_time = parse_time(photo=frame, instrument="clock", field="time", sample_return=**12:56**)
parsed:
**11:30**
